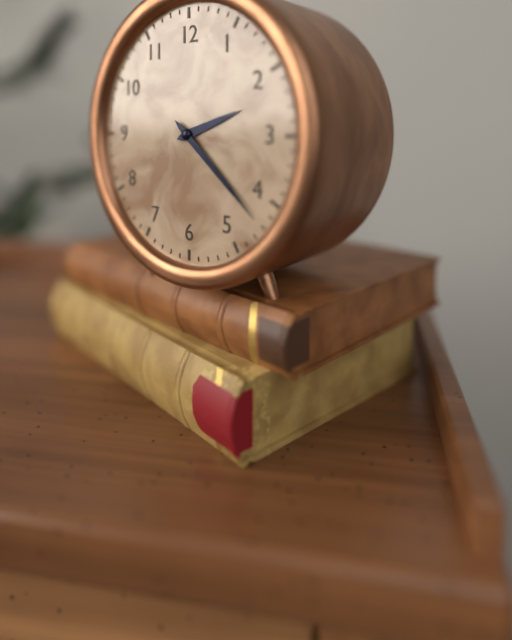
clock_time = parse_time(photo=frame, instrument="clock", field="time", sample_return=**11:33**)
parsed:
**2:22**
